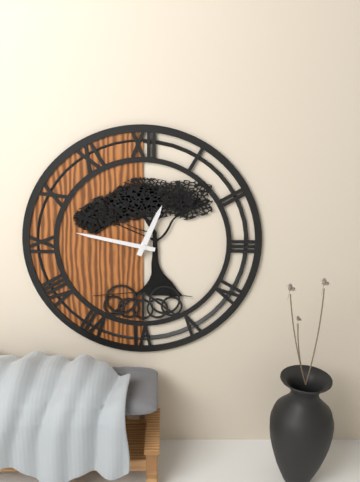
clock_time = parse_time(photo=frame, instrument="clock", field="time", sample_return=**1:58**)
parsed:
**12:47**
